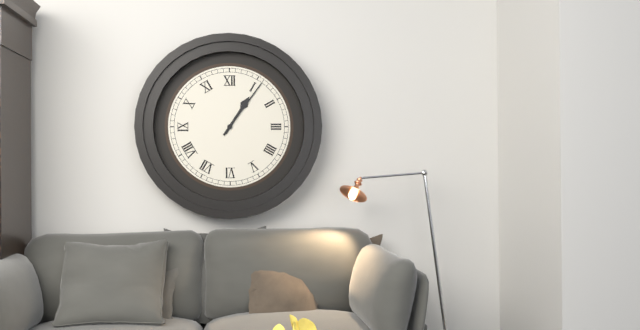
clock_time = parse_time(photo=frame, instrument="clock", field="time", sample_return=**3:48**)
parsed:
**1:06**
